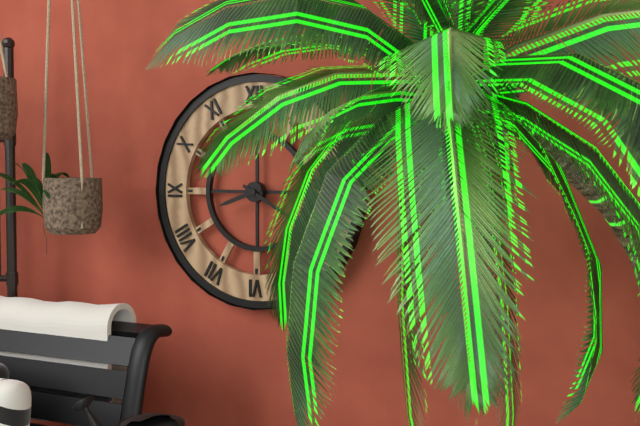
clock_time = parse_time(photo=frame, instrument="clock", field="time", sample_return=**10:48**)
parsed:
**8:20**
